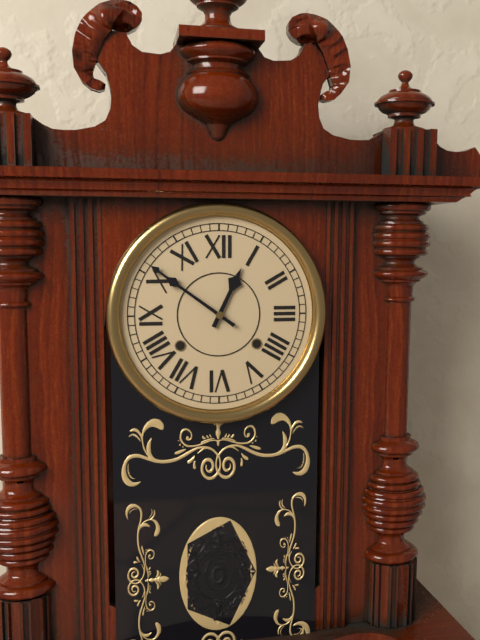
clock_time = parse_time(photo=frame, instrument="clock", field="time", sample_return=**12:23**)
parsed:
**12:51**
